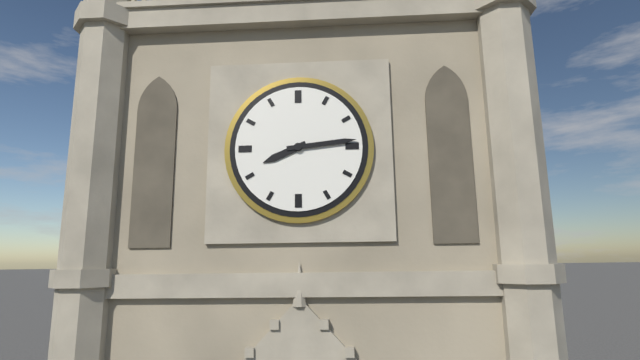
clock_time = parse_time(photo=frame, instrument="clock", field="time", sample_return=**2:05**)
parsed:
**8:14**
